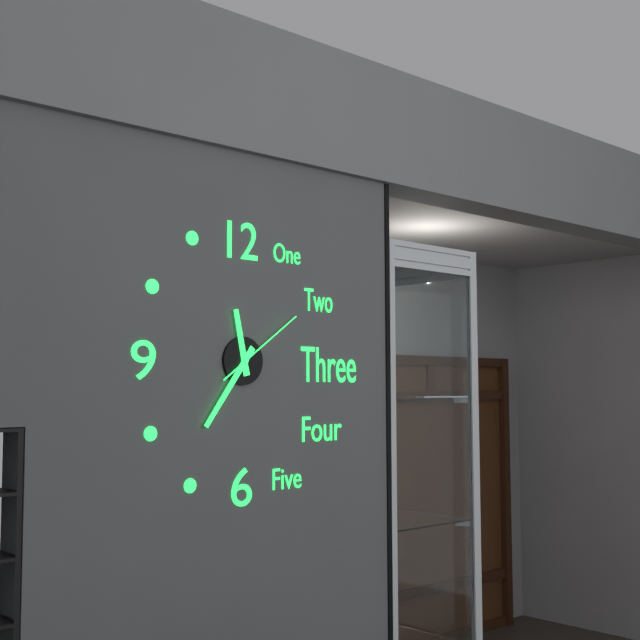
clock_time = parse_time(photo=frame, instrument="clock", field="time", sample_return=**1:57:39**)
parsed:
**11:36:09**
